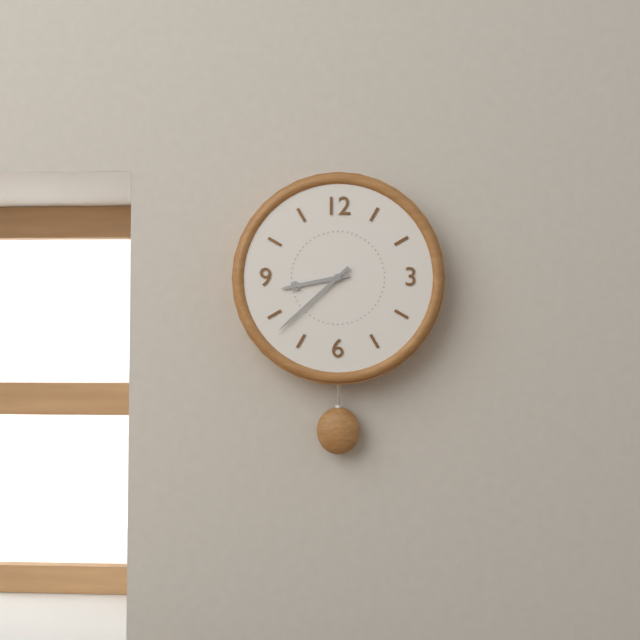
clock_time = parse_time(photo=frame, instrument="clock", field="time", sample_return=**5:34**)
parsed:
**8:38**
